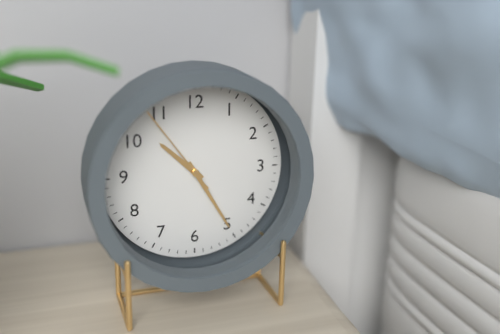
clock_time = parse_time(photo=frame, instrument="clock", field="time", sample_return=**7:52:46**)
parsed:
**10:25:54**
